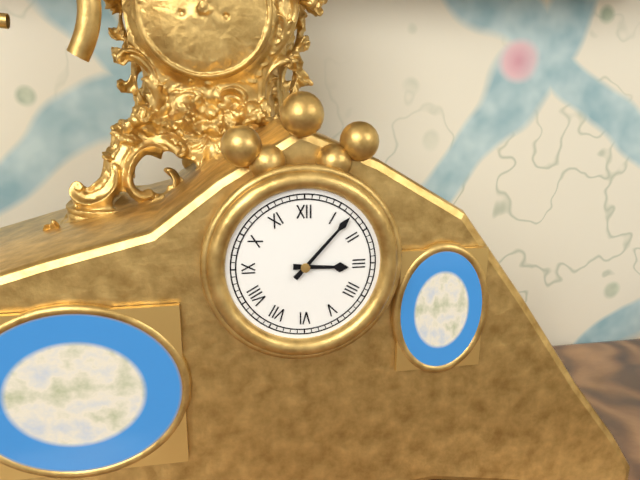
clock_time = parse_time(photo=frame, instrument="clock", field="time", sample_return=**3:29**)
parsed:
**3:07**
